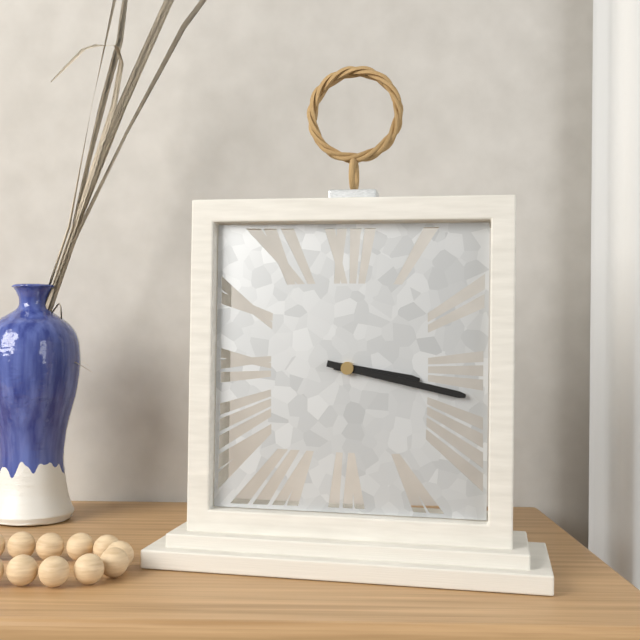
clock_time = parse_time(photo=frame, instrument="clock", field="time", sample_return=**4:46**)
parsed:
**3:17**
